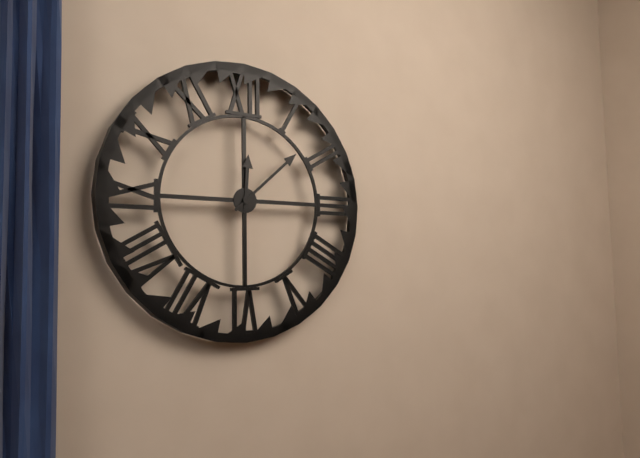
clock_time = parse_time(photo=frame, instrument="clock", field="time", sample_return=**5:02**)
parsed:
**12:08**
